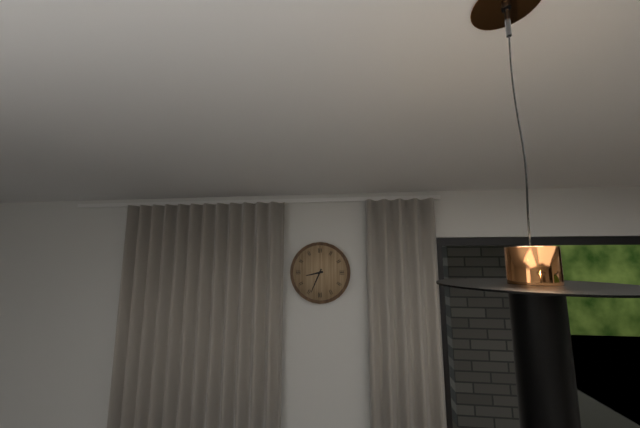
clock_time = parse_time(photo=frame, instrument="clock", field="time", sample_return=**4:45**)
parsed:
**8:34**
